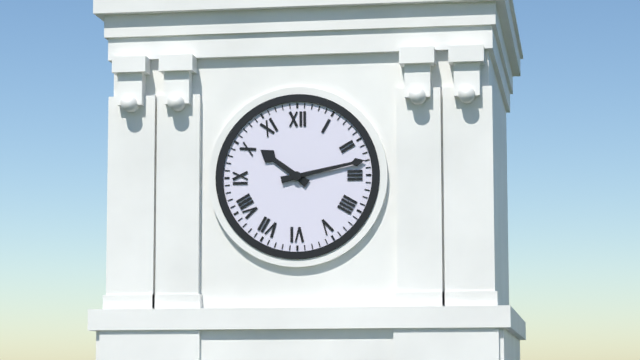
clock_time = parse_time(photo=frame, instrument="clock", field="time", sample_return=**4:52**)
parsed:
**10:13**
